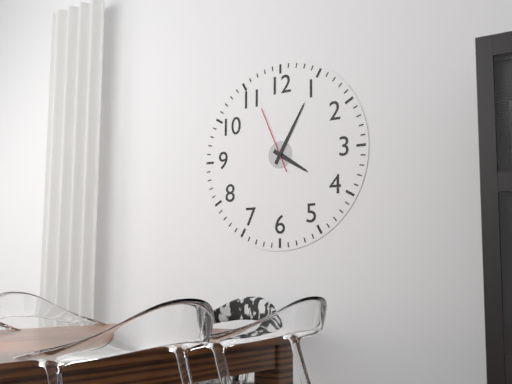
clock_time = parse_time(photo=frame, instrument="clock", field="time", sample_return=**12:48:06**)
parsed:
**4:05:56**
